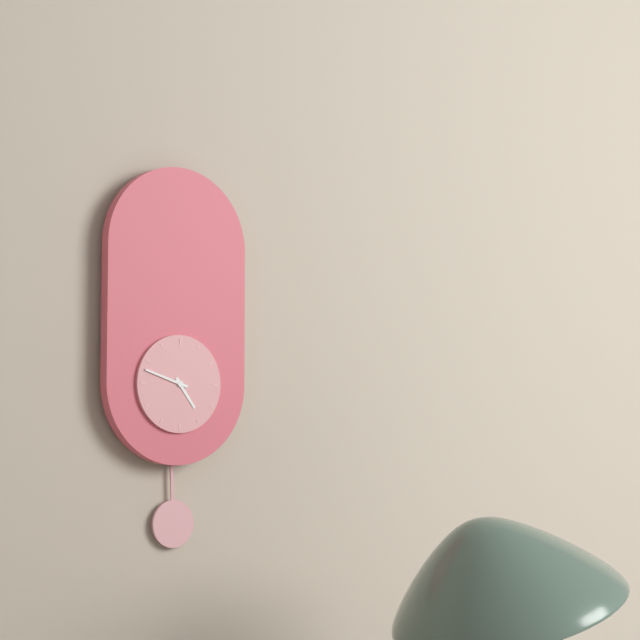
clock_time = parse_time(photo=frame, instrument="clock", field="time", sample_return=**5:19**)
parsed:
**4:48**
